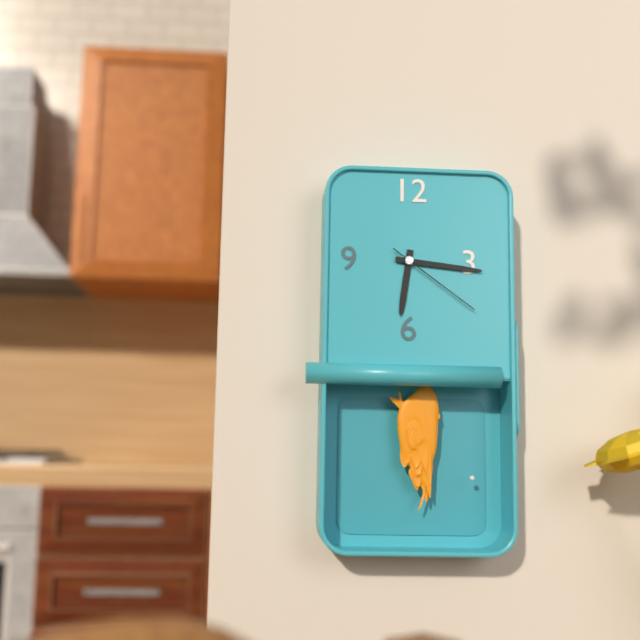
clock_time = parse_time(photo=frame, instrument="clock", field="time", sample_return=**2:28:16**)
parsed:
**6:16:21**
